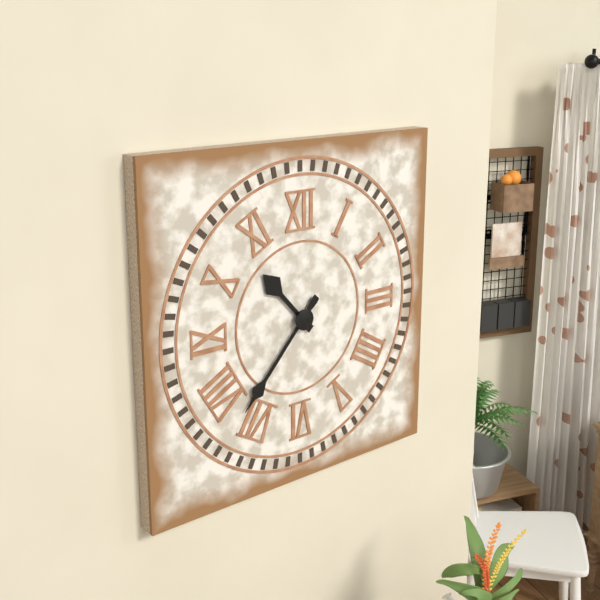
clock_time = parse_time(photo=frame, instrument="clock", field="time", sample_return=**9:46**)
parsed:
**10:37**
